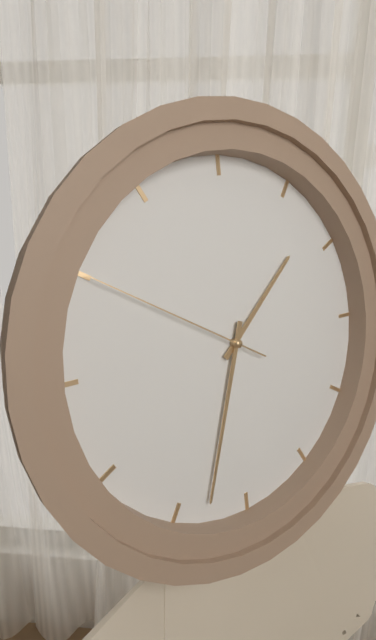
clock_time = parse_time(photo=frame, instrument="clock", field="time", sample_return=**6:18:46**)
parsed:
**1:33:50**
